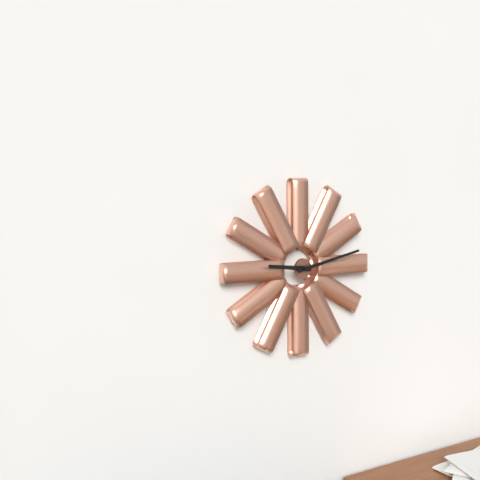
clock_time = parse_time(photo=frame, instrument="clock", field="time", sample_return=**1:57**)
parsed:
**9:13**
